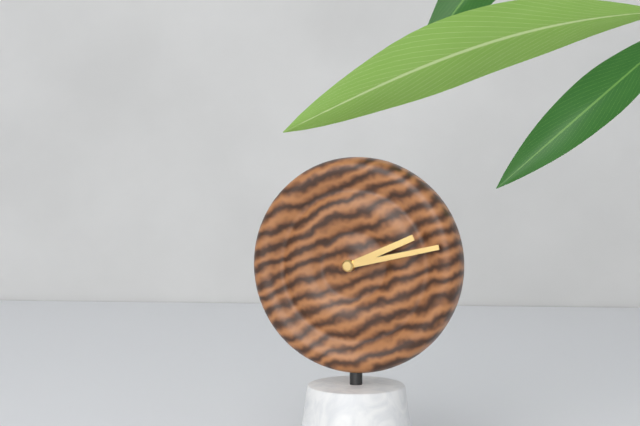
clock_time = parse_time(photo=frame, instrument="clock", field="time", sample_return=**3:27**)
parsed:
**2:13**
